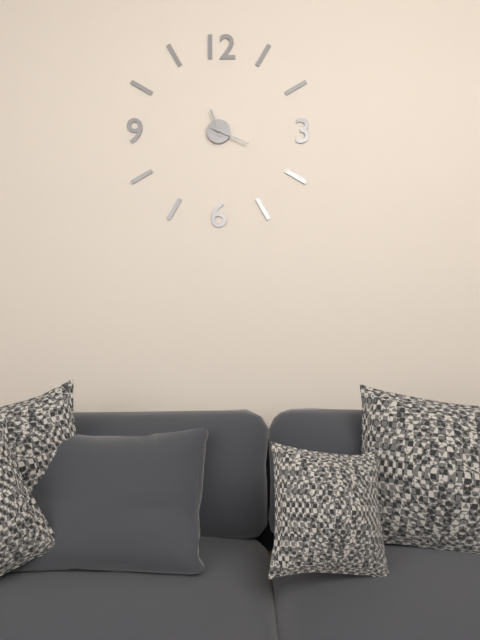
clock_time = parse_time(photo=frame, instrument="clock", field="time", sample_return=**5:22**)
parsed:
**11:19**
